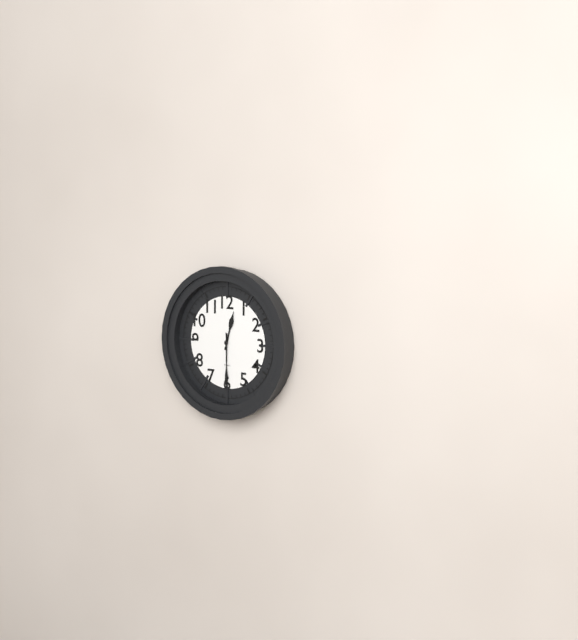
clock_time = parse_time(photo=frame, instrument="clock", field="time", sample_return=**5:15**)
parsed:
**12:30**
